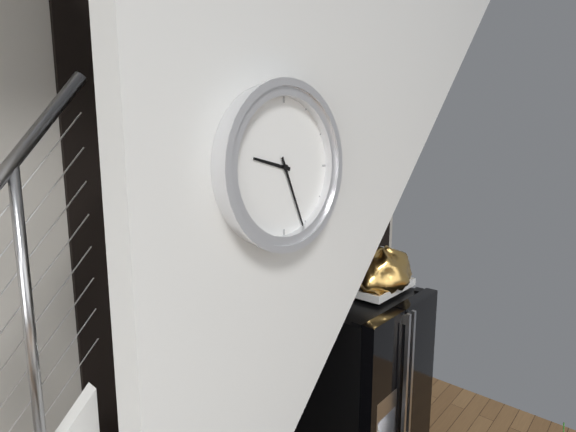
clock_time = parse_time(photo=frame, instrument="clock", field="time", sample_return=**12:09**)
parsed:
**9:26**
